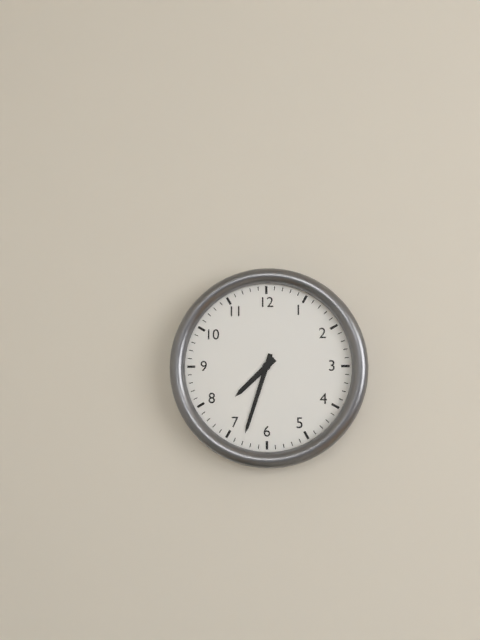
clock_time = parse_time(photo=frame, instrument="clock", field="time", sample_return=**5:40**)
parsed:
**7:33**
